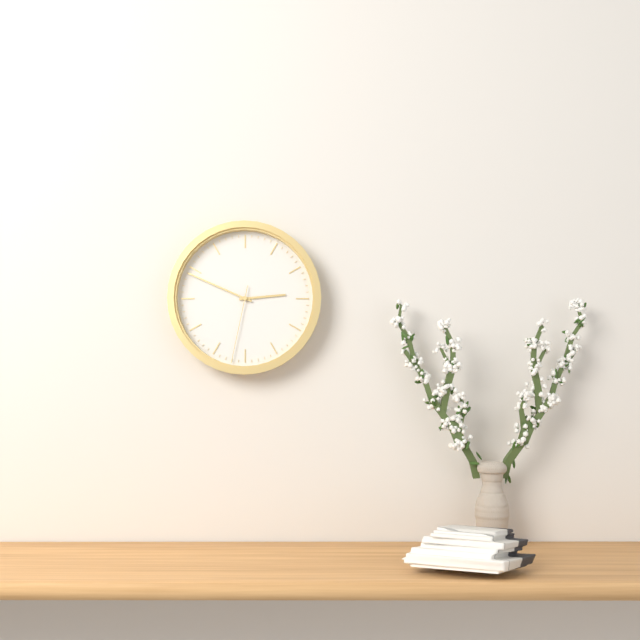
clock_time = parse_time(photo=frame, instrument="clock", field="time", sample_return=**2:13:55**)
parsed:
**2:49:32**
